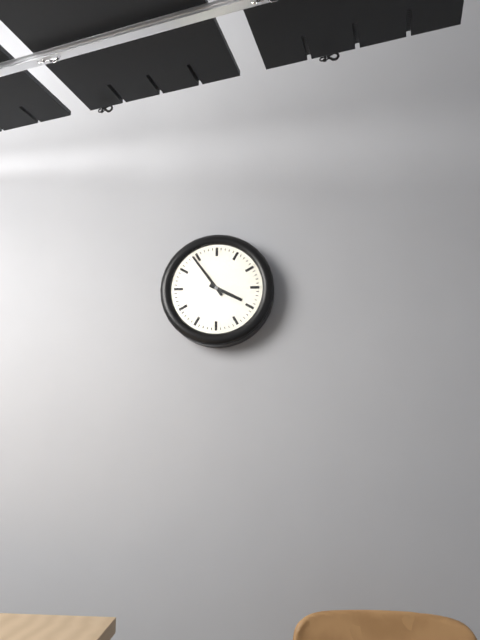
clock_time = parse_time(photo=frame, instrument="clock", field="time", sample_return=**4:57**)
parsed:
**3:54**
